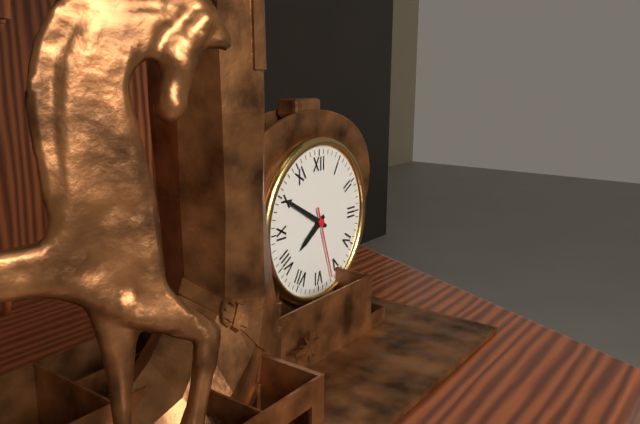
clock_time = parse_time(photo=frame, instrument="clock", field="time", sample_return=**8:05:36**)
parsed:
**7:50:27**
